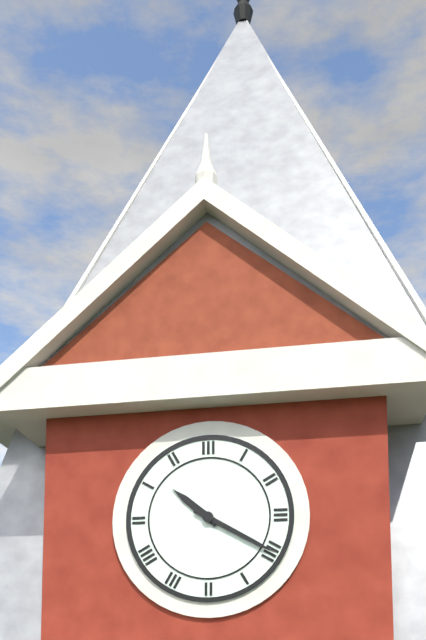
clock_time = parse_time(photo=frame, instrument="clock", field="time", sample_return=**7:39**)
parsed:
**10:20**
